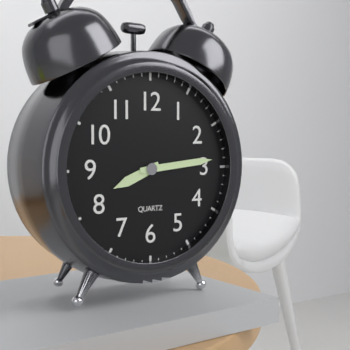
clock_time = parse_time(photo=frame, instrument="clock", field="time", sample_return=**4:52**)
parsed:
**8:14**
